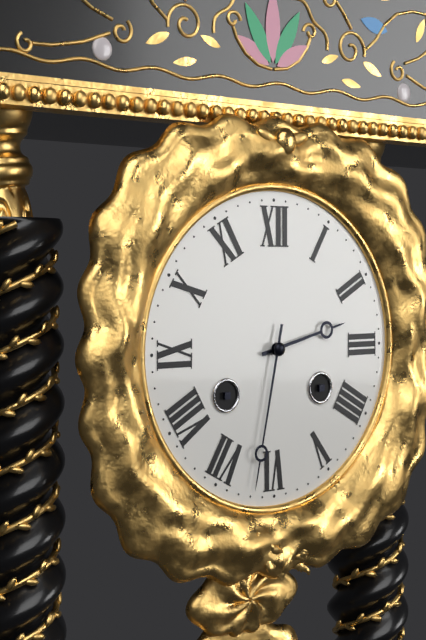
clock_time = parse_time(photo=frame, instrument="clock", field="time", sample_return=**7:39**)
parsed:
**2:32**
